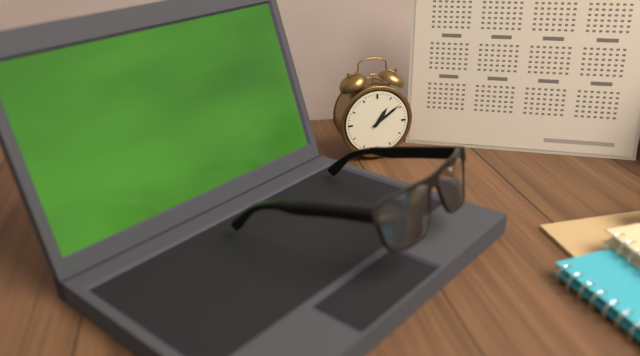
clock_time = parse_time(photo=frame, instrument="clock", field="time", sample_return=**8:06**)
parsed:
**1:09**
